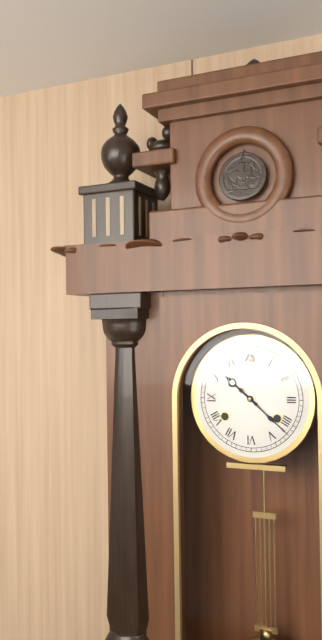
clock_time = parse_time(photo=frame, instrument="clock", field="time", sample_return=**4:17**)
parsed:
**10:22**
